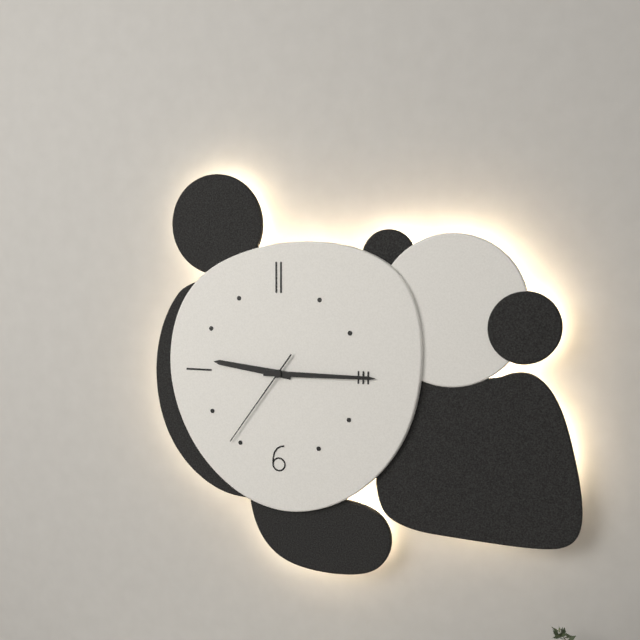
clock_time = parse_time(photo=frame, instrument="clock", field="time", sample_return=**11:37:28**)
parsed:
**9:15:36**
